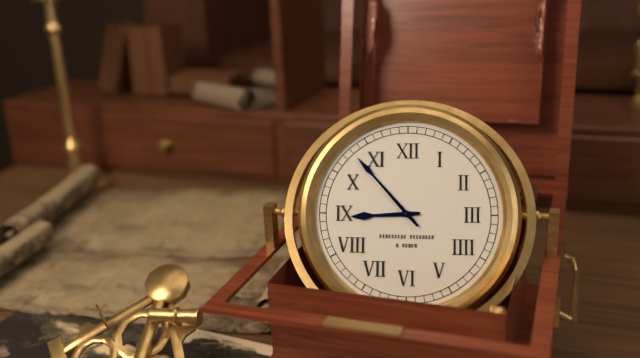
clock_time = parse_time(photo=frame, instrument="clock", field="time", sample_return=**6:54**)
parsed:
**8:53**
